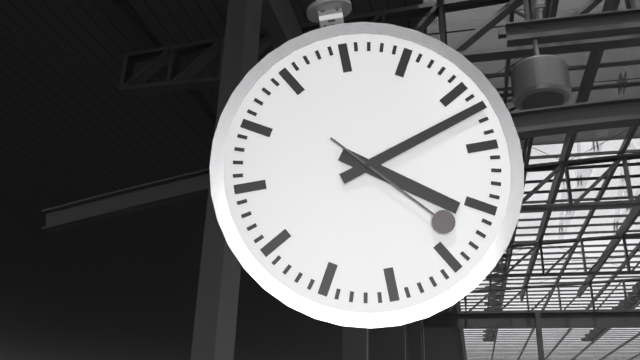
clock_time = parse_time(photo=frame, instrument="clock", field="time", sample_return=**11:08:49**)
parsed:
**4:12:23**
